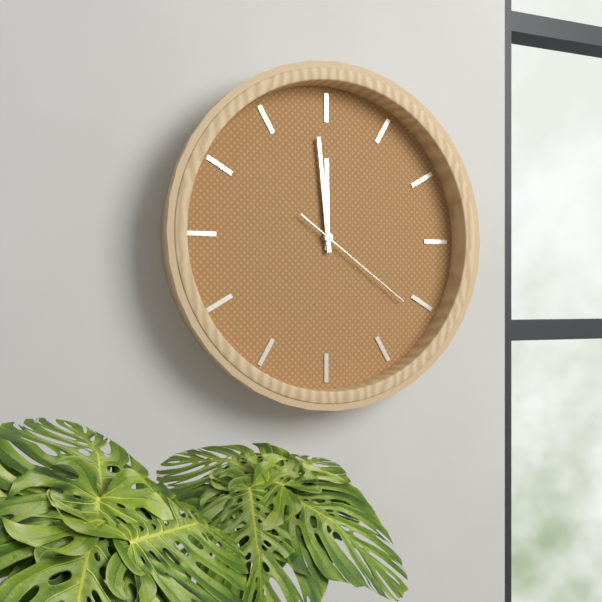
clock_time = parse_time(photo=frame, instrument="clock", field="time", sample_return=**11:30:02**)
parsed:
**11:59:21**
